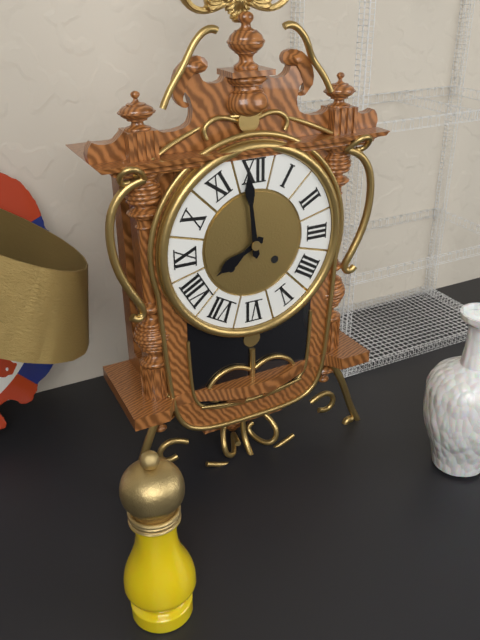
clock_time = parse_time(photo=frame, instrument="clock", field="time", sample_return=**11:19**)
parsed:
**7:59**
